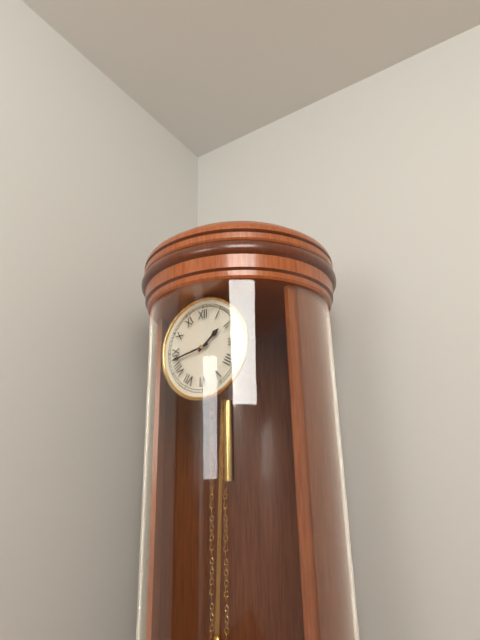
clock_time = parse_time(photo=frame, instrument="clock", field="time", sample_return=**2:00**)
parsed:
**1:43**
